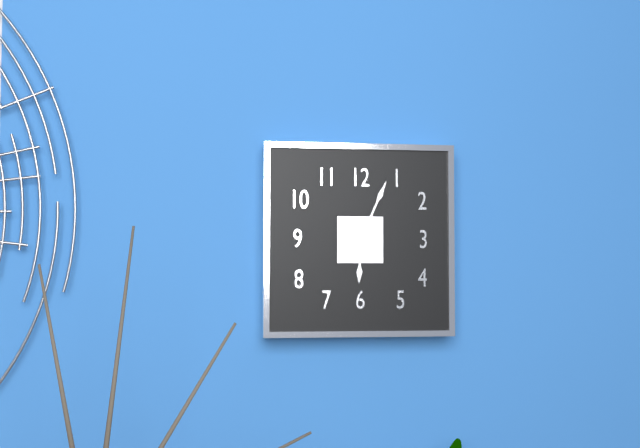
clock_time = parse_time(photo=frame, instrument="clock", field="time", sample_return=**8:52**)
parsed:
**6:04**
